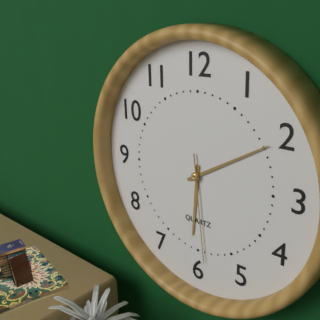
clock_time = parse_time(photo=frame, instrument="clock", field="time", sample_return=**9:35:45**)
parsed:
**6:10:29**
